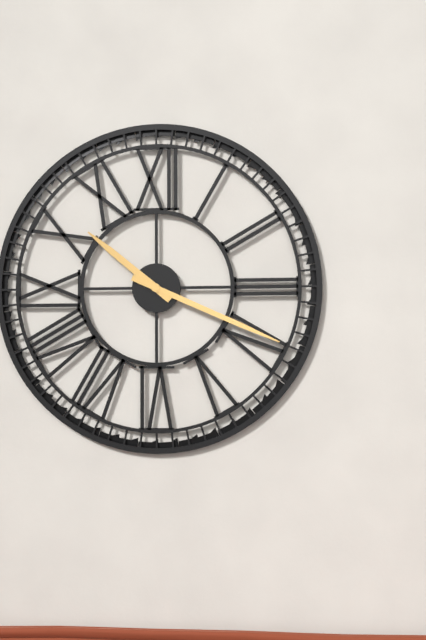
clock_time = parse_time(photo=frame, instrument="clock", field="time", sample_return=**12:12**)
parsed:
**10:19**
